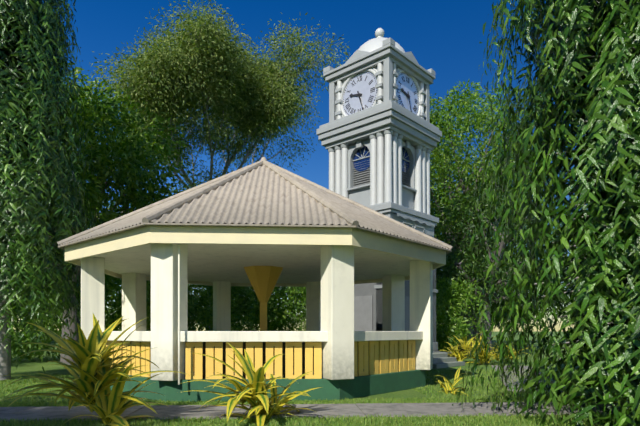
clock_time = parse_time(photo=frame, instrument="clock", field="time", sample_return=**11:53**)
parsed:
**9:27**
